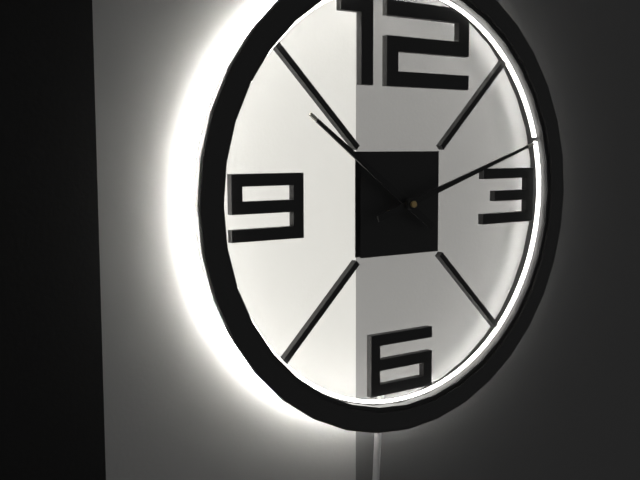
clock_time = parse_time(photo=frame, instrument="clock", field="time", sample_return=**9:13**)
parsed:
**10:12**
